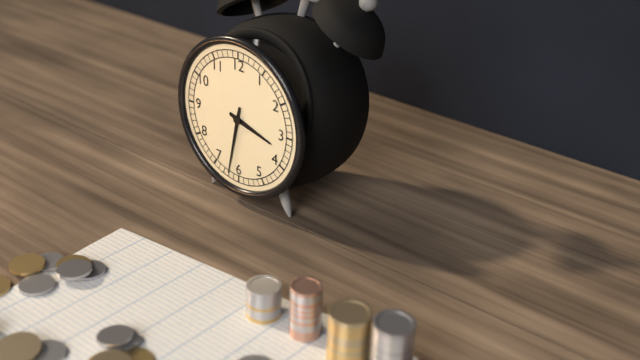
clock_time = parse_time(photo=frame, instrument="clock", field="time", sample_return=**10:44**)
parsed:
**3:32**
